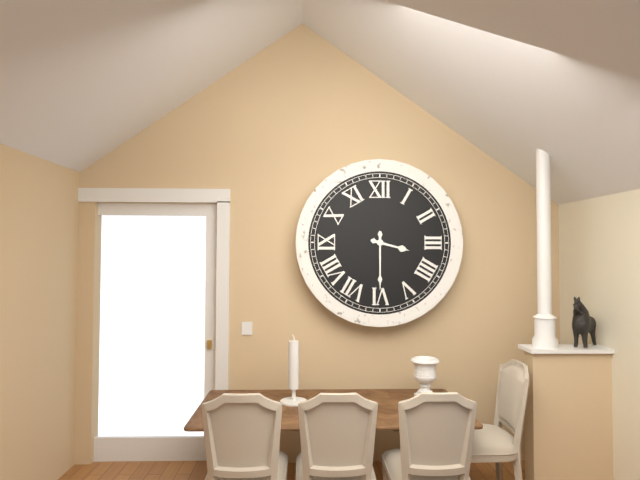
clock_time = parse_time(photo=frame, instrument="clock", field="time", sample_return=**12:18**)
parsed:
**3:30**
